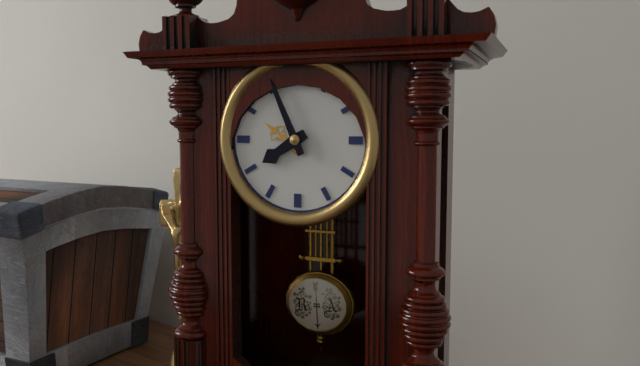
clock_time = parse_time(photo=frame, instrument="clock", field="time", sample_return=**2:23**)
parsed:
**7:56**
